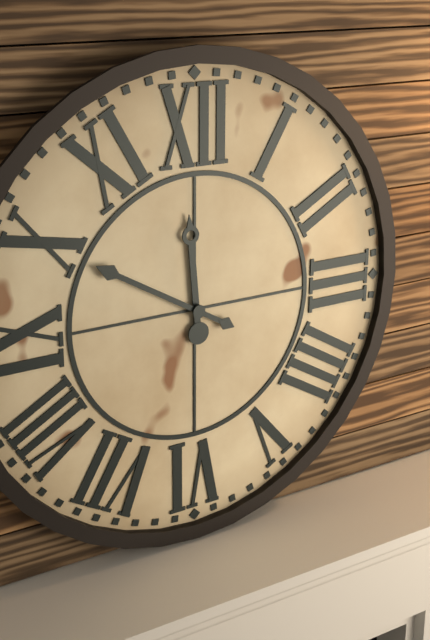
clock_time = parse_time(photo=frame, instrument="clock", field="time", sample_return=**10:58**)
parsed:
**11:50**
